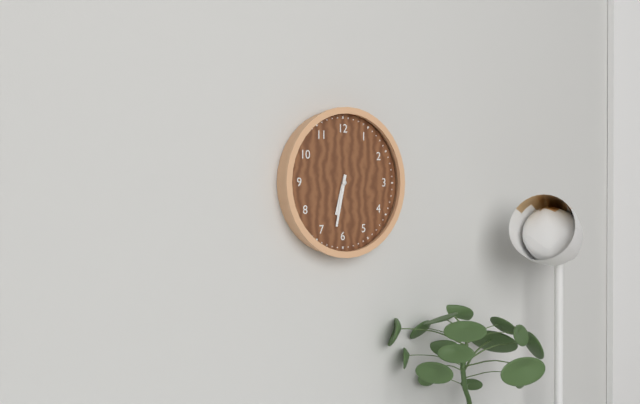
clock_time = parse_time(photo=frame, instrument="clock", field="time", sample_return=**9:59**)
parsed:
**6:32**
